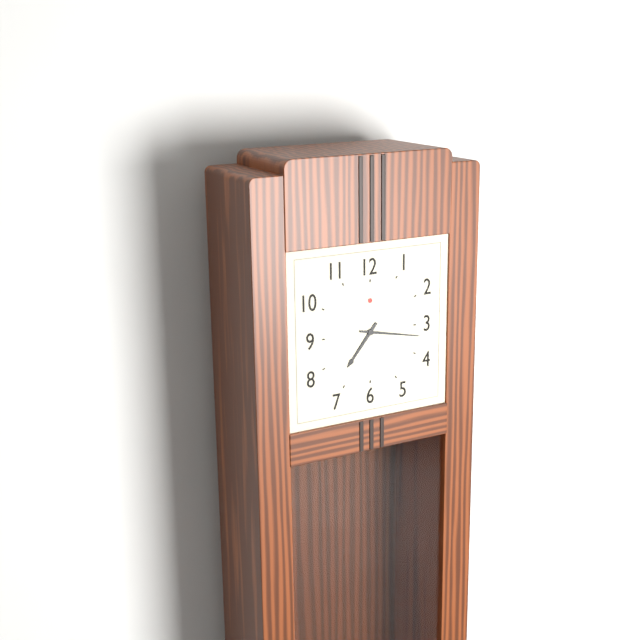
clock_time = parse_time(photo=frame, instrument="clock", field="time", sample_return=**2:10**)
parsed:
**7:17**
